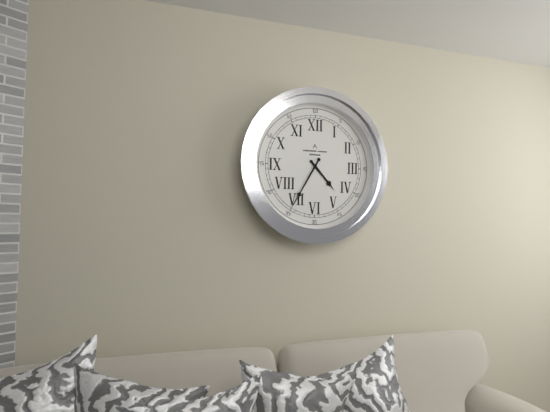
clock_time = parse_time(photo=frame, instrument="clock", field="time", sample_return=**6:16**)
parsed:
**4:35**
